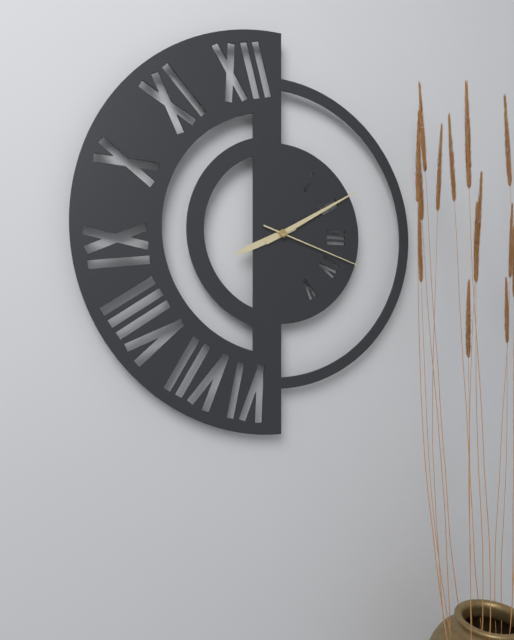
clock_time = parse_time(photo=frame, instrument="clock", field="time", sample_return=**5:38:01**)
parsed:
**8:10:18**
